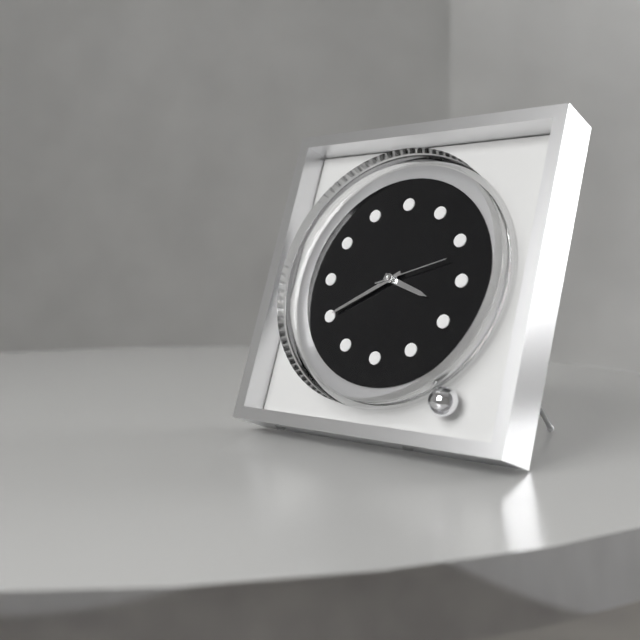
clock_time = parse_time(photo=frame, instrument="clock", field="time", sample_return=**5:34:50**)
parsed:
**3:40:12**
